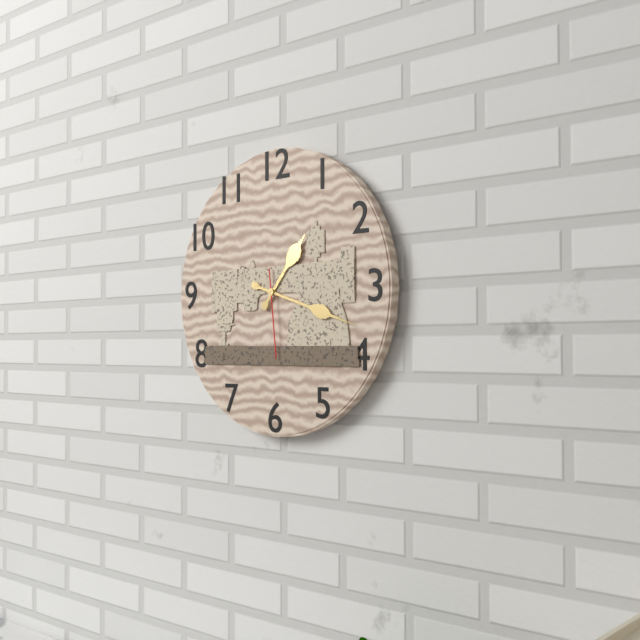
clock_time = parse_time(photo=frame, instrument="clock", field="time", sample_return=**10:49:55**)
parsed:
**1:18:29**
